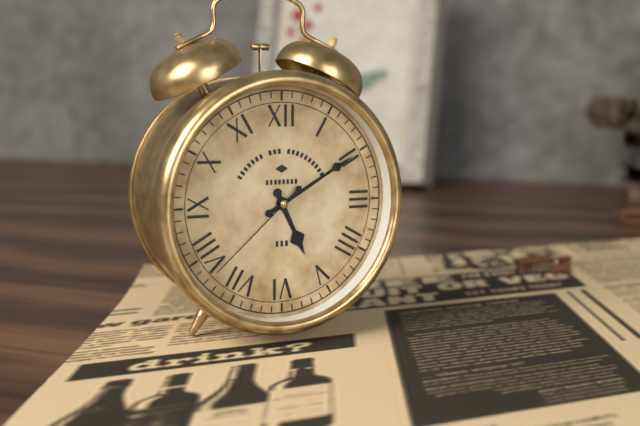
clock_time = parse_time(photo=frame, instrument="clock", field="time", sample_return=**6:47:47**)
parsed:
**5:10:38**
